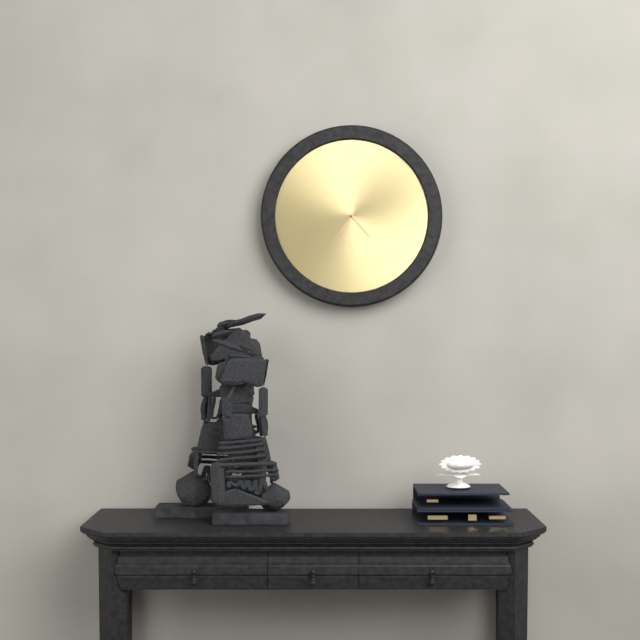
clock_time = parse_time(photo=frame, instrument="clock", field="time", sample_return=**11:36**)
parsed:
**4:36**
